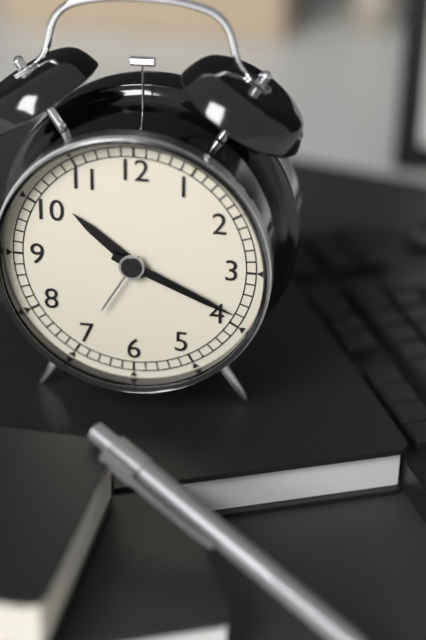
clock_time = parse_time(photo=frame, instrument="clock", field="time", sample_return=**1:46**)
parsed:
**10:19**
